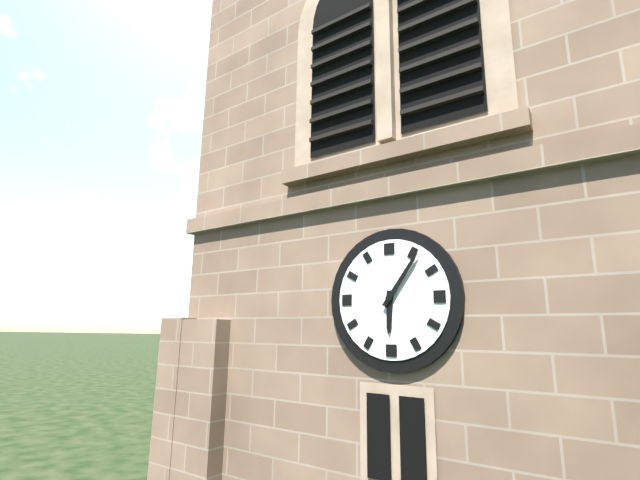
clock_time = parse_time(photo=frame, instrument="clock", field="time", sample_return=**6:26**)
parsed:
**6:06**
